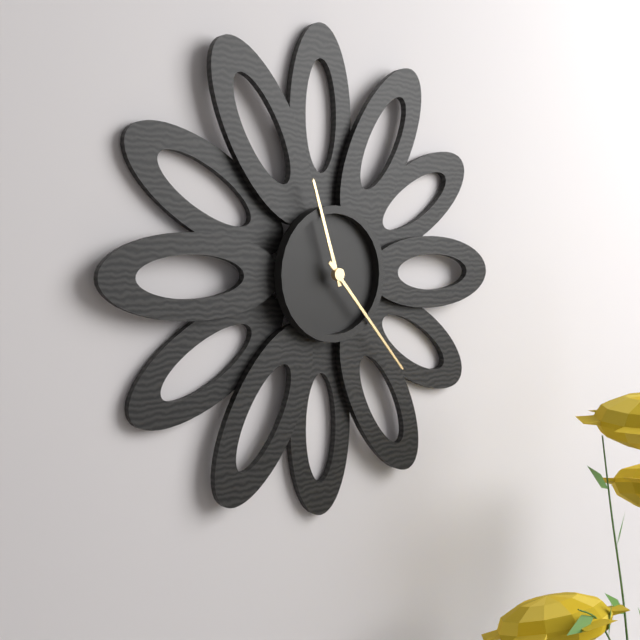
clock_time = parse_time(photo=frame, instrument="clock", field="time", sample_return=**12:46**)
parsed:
**11:23**
